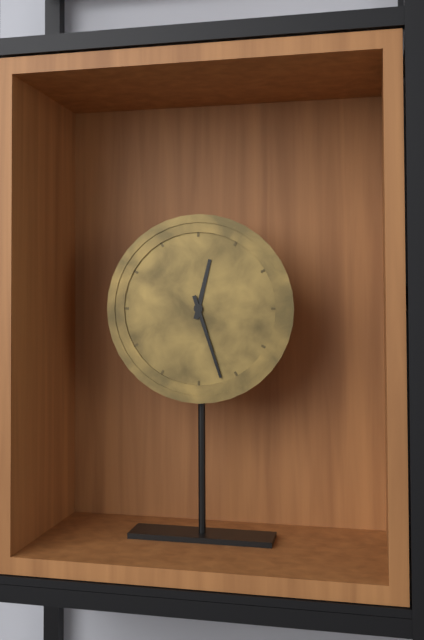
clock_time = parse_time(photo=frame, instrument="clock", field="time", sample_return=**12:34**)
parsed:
**12:27**
